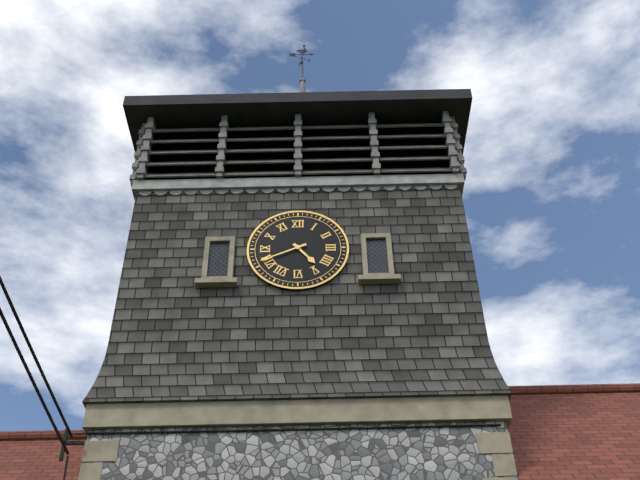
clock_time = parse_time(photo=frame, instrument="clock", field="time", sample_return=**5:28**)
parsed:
**4:41**
